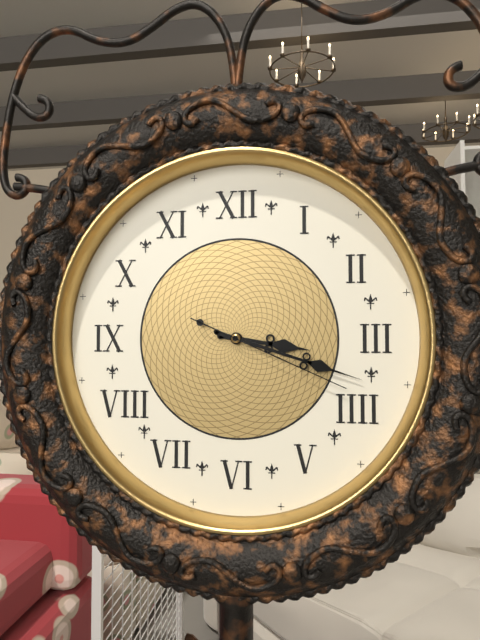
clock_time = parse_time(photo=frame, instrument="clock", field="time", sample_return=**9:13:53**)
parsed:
**3:18:19**
